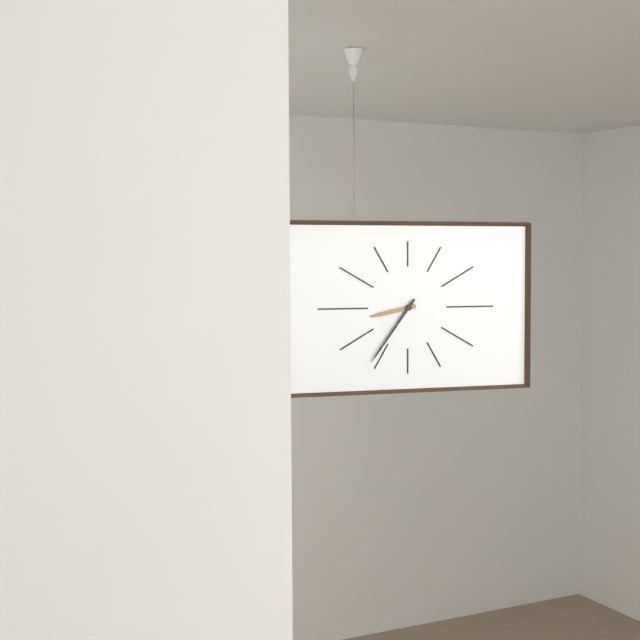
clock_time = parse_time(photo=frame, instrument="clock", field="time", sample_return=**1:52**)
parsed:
**8:36**
